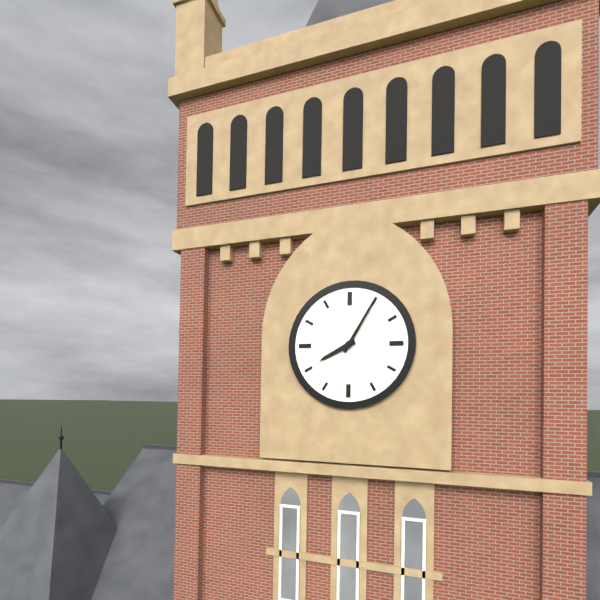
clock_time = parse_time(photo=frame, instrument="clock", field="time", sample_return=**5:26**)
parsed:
**8:05**
